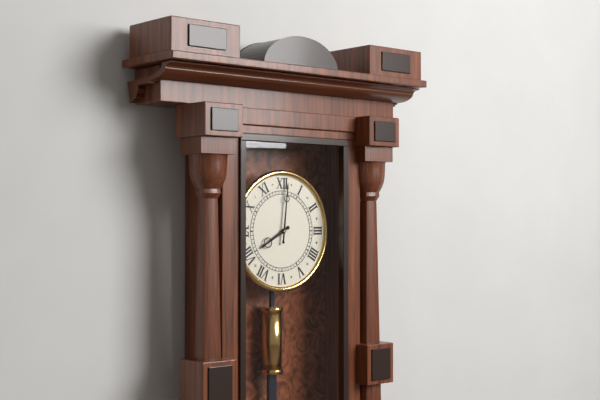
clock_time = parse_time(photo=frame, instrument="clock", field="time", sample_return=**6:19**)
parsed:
**8:01**
